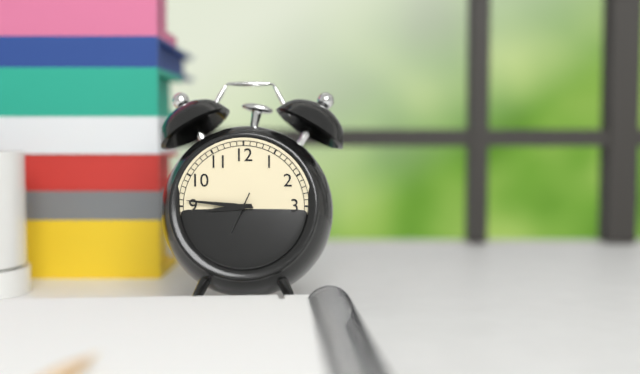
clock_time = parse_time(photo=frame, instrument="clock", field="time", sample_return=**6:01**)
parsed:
**8:46**
